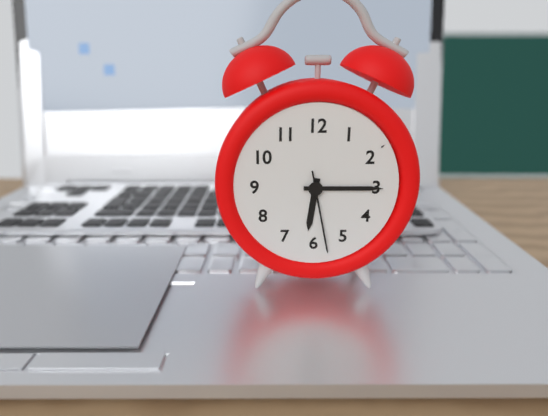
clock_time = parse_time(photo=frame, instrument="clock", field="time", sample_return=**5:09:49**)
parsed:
**6:15:28**
